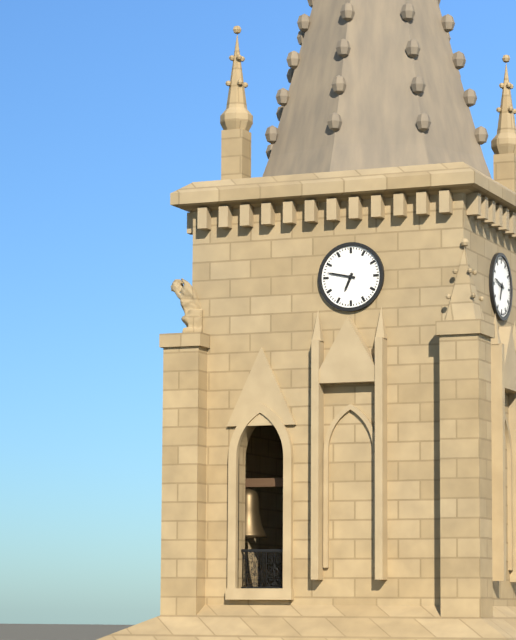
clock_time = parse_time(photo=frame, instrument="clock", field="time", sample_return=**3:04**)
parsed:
**6:47**
